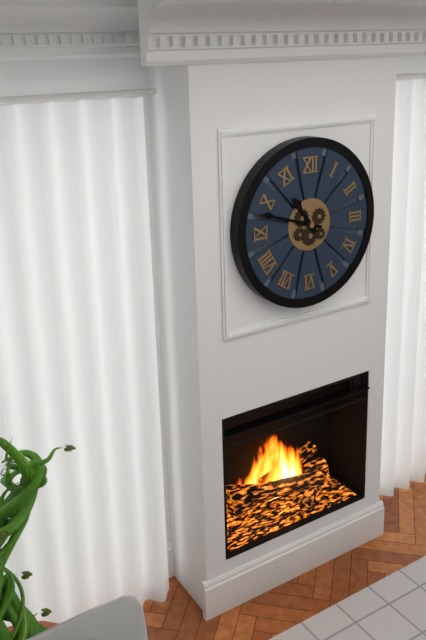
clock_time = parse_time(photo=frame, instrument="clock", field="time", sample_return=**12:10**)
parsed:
**10:48**
